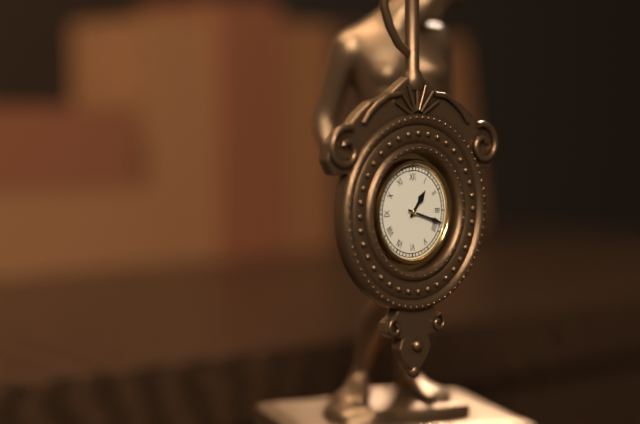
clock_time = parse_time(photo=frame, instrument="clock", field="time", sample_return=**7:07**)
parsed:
**1:18**
